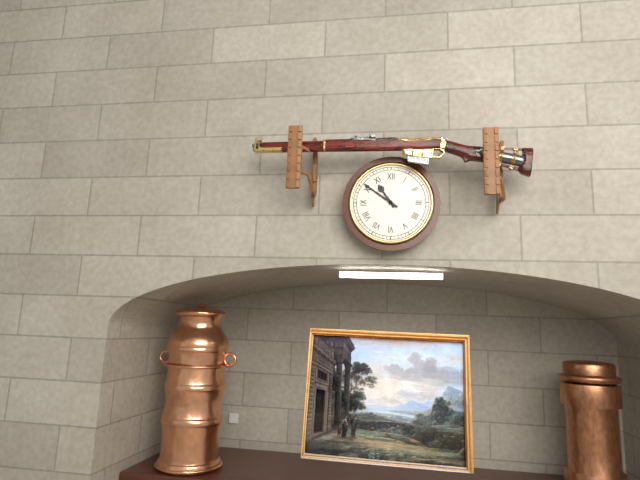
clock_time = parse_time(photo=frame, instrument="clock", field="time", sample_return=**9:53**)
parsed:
**10:51**
